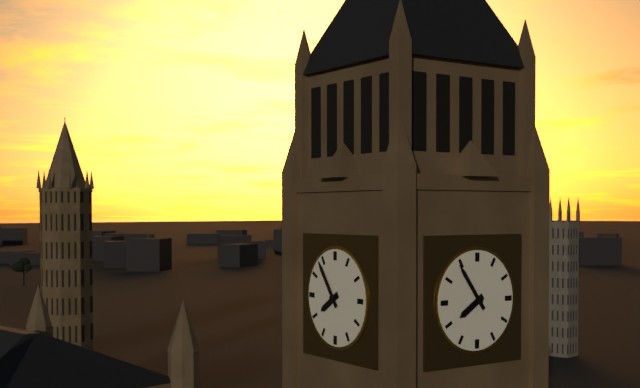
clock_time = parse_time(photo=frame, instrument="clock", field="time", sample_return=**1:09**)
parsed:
**7:54**
